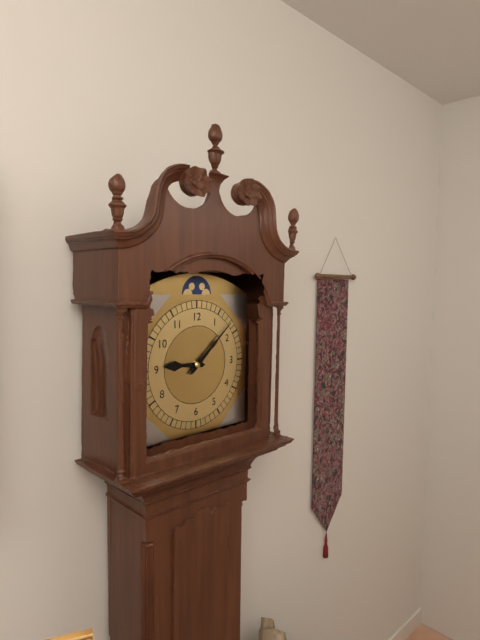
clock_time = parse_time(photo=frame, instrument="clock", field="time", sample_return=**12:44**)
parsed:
**9:08**
